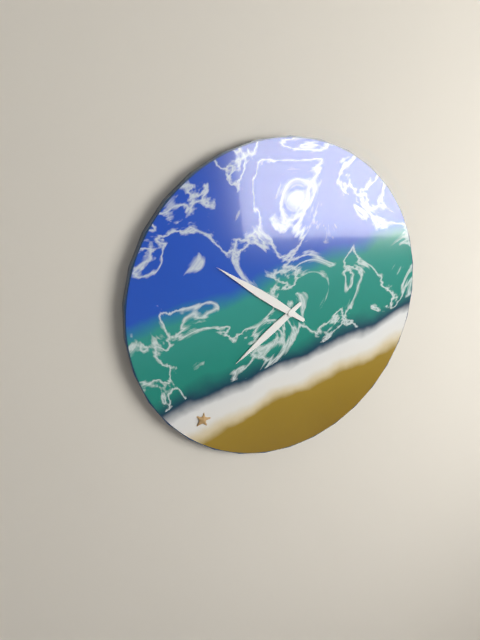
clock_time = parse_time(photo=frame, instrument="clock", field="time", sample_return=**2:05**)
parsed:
**7:51**
